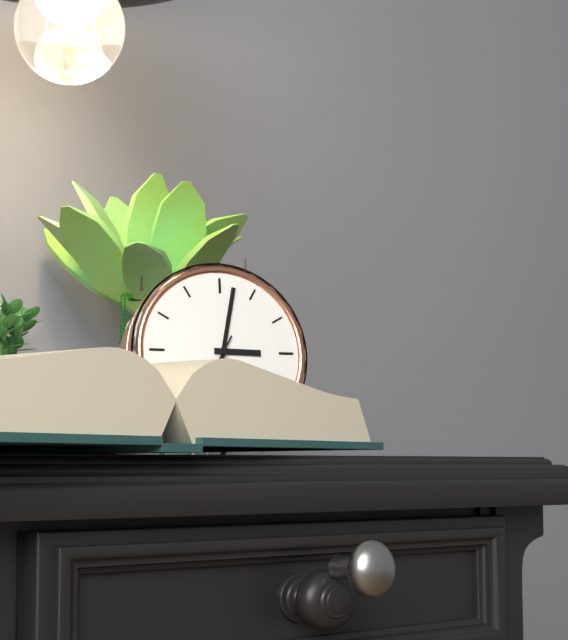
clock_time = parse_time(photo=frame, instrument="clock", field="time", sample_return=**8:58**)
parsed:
**3:02**
